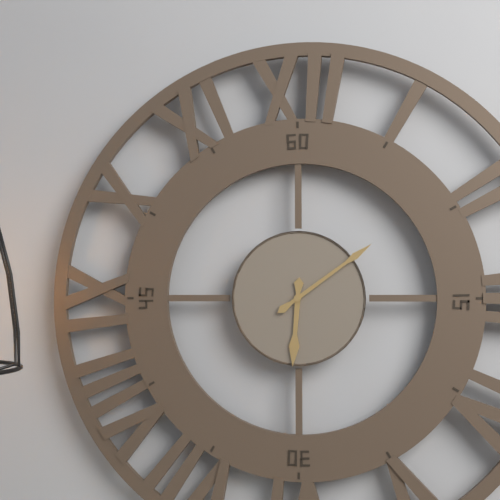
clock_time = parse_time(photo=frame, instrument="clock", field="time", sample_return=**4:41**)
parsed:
**6:09**
